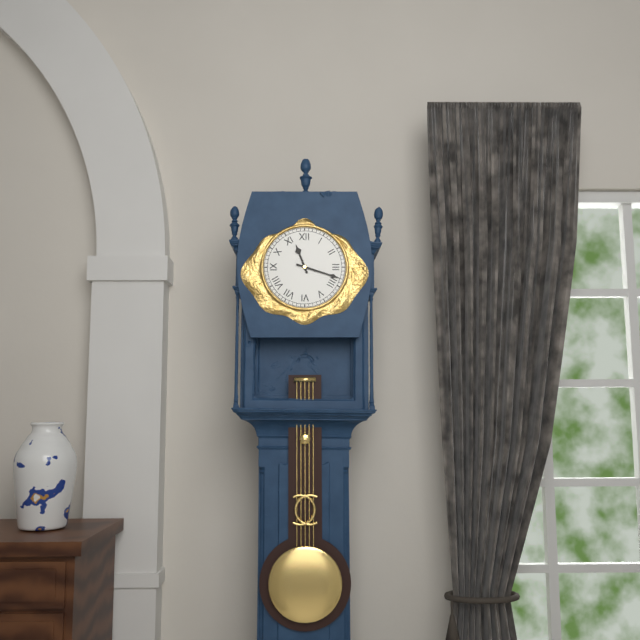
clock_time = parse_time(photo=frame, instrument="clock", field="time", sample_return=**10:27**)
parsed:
**11:18**
